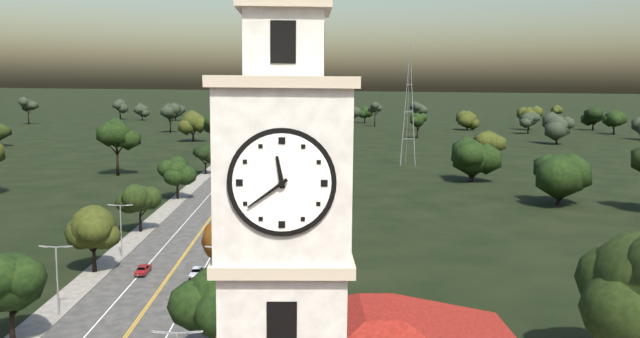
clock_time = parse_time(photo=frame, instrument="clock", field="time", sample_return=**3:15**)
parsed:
**11:39**
